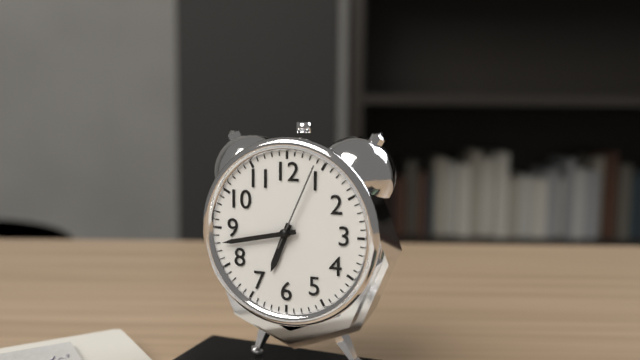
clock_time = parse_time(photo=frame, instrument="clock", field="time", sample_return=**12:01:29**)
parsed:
**6:43:04**
